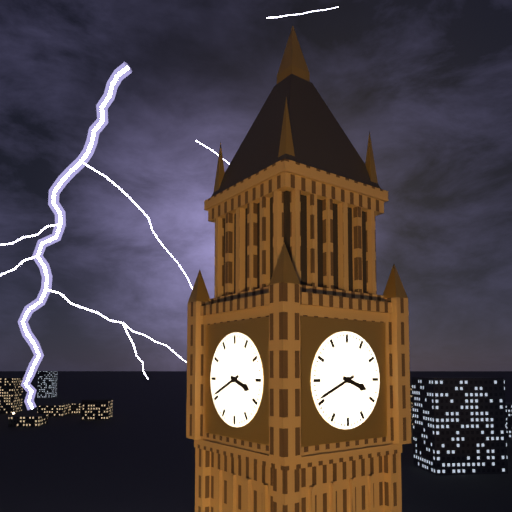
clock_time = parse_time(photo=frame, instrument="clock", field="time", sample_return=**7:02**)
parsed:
**3:41**
